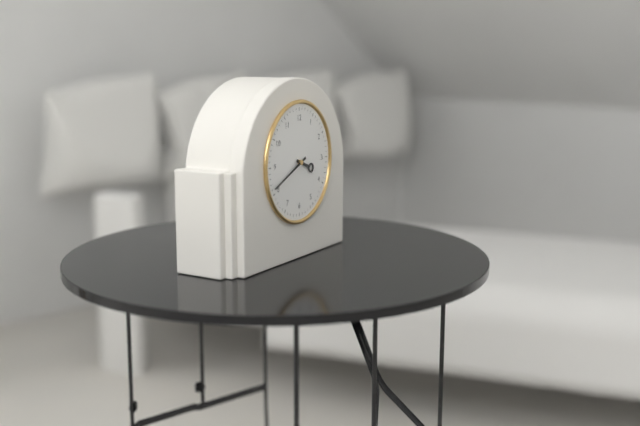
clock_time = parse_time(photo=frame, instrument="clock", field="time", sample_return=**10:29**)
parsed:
**3:41**
